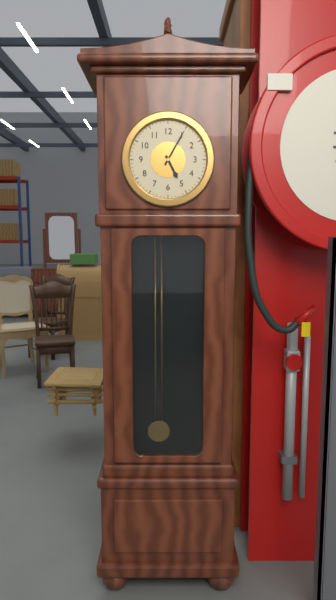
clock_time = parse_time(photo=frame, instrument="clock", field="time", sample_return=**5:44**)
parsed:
**5:05**
